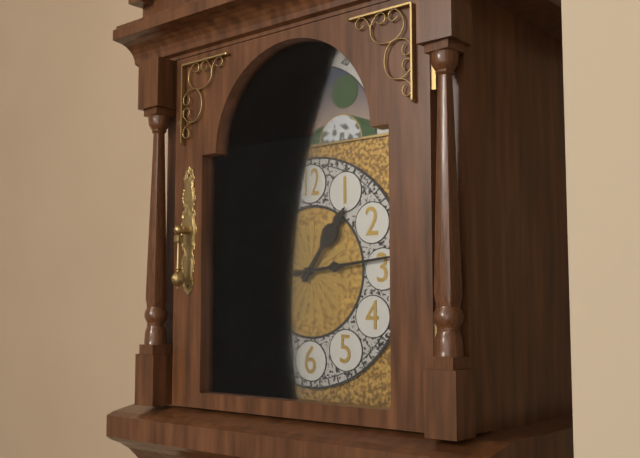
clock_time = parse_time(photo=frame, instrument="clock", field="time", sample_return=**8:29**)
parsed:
**1:14**
